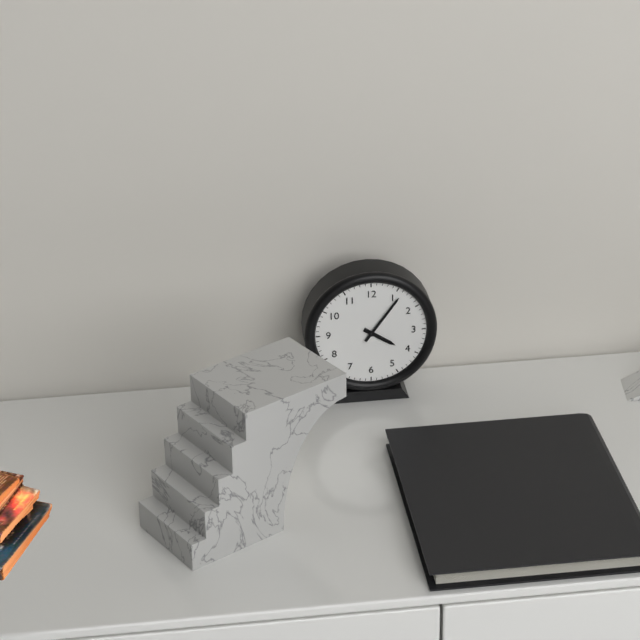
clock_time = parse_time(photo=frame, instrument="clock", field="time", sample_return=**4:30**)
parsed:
**4:06**
